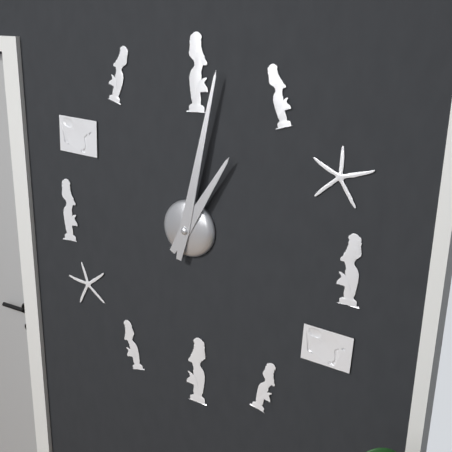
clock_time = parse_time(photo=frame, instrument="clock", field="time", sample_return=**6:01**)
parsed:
**1:02**
